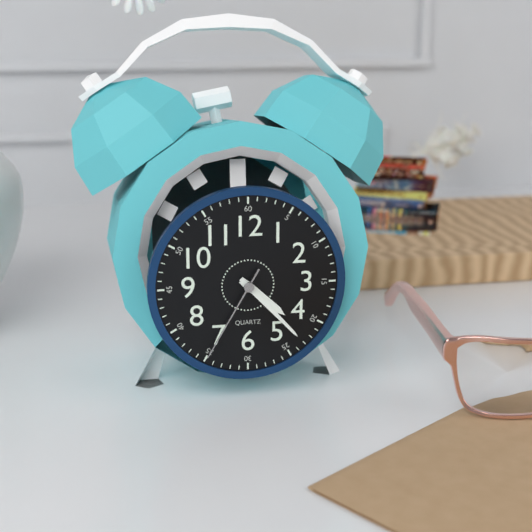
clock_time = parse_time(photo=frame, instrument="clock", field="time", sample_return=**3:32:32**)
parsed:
**4:23:35**
